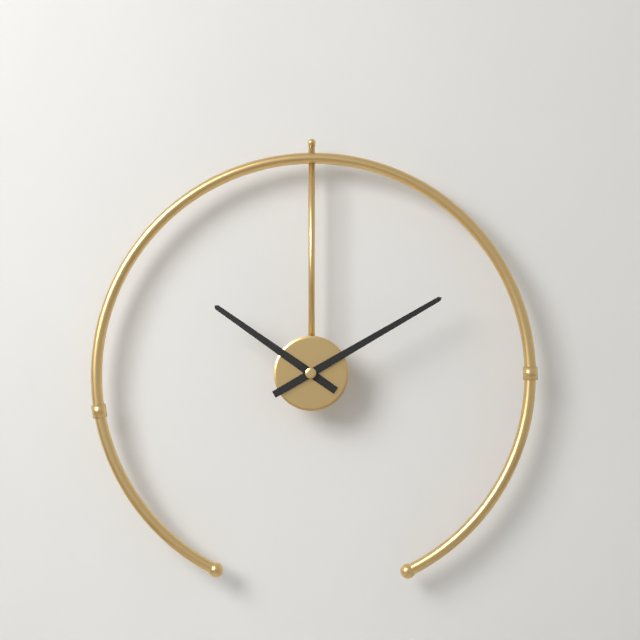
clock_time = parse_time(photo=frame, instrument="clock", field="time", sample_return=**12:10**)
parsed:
**10:10**
